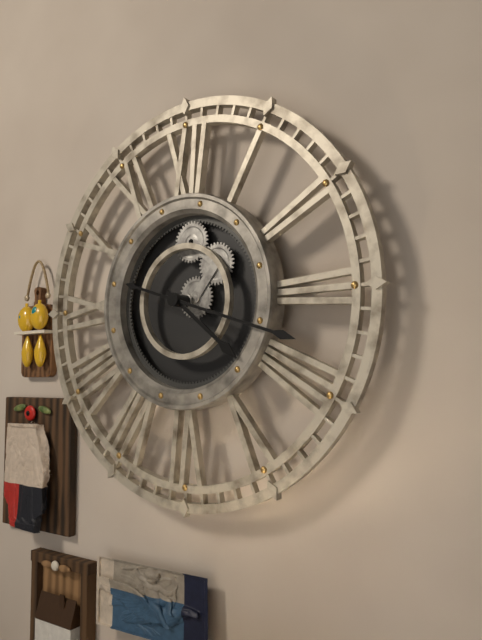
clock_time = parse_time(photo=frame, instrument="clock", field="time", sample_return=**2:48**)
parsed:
**4:18**
